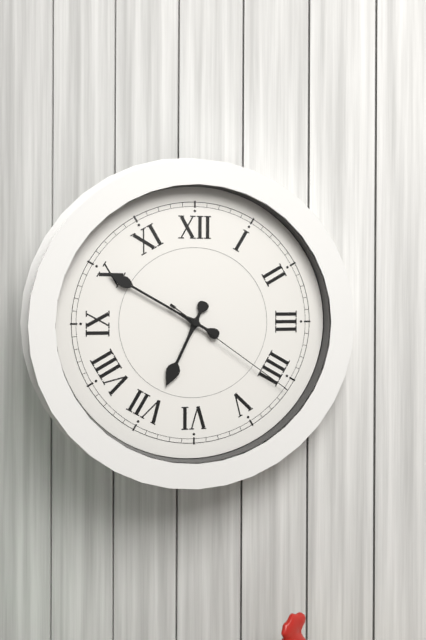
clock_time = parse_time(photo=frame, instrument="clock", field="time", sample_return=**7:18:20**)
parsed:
**6:50:21**
